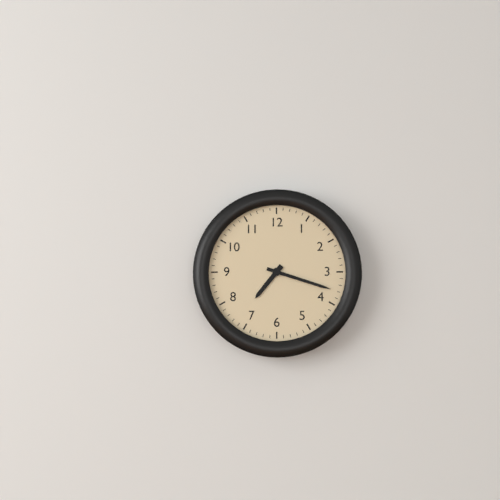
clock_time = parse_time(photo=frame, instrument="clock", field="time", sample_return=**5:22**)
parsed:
**7:18**
